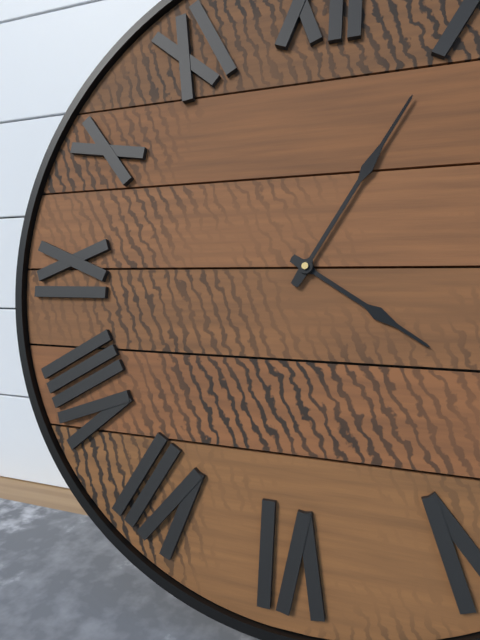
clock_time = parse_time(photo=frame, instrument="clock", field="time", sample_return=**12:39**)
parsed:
**4:05**
